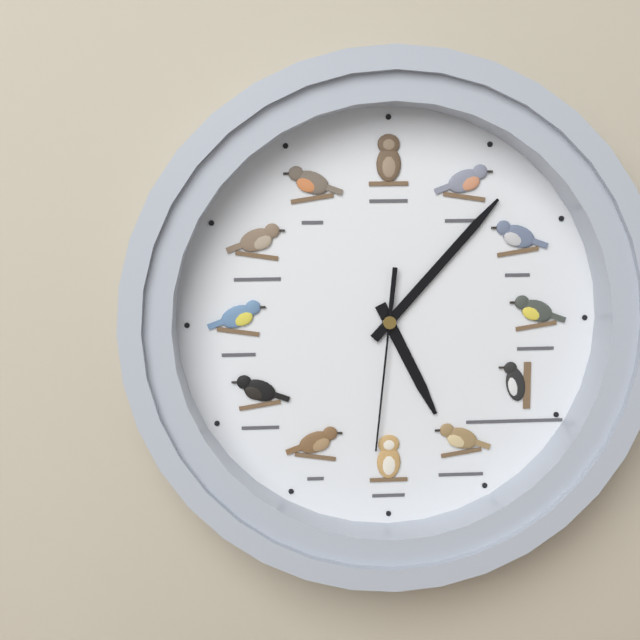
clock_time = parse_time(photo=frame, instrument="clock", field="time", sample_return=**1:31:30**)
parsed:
**5:07:31**
